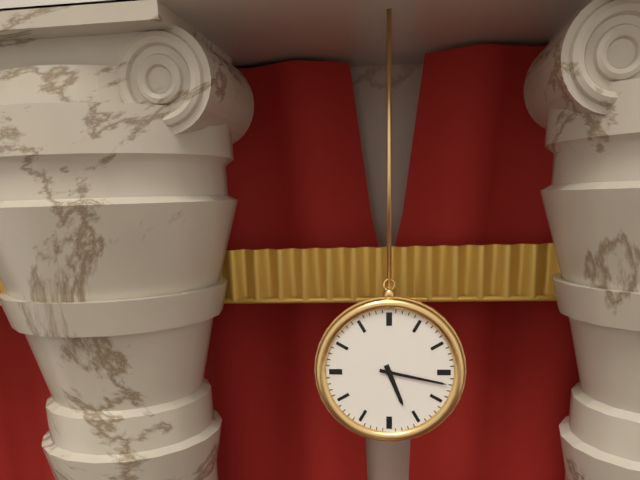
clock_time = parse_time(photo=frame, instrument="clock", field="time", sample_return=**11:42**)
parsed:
**5:17**
